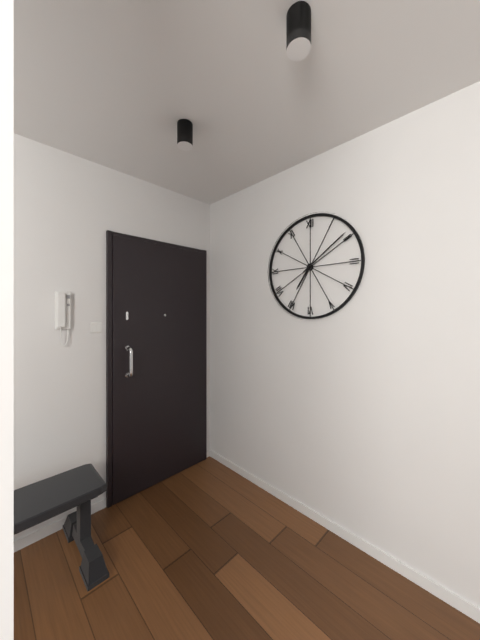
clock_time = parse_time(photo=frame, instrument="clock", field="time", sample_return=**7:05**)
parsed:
**7:09**
